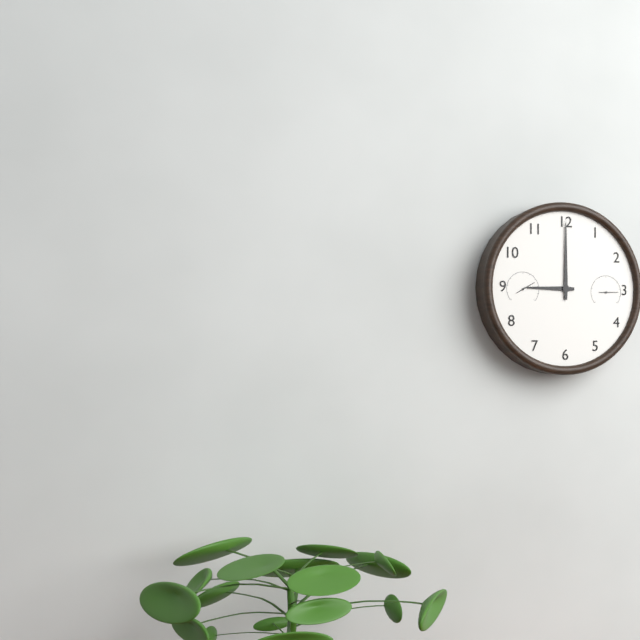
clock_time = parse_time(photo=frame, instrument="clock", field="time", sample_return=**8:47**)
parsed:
**9:00**
